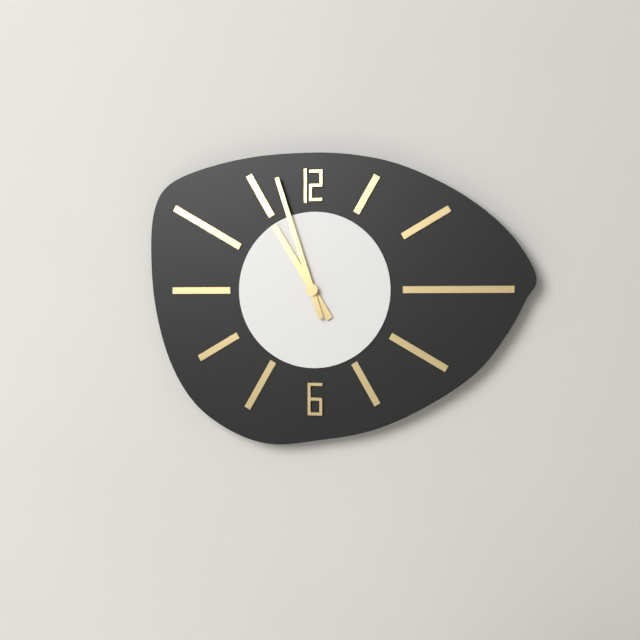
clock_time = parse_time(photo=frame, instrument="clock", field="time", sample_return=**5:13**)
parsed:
**10:57**
